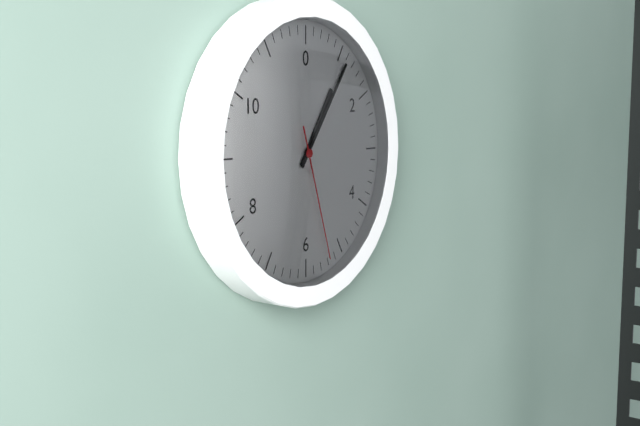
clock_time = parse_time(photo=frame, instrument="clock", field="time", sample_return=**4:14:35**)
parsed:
**1:06:27**
